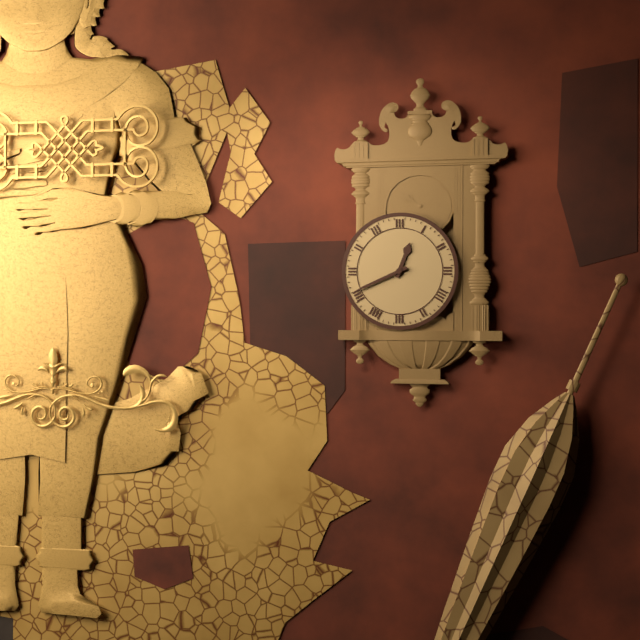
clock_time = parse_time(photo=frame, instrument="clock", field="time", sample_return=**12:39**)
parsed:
**12:41**
